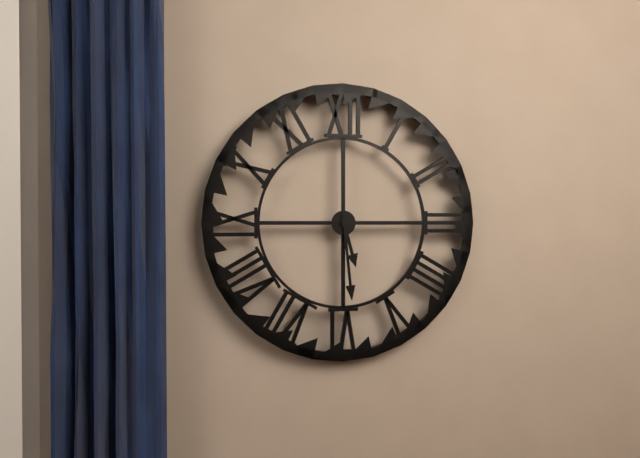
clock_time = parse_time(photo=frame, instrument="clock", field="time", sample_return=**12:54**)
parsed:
**5:29**
